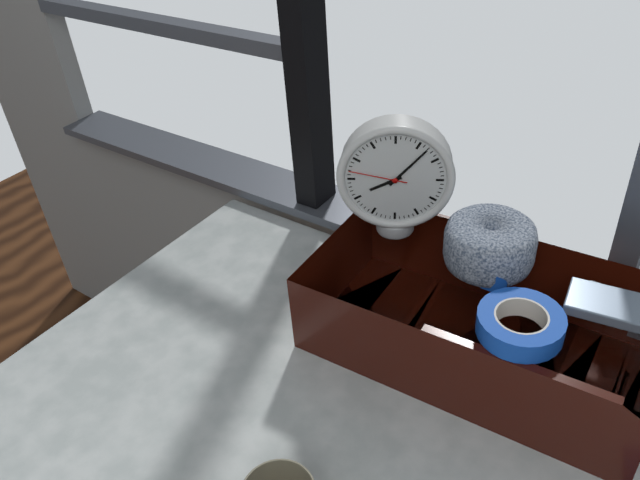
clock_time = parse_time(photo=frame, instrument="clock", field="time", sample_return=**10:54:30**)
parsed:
**8:07:47**
